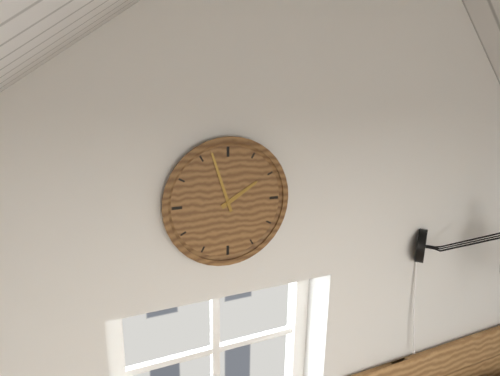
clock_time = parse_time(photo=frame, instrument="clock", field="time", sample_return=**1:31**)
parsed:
**1:57**
